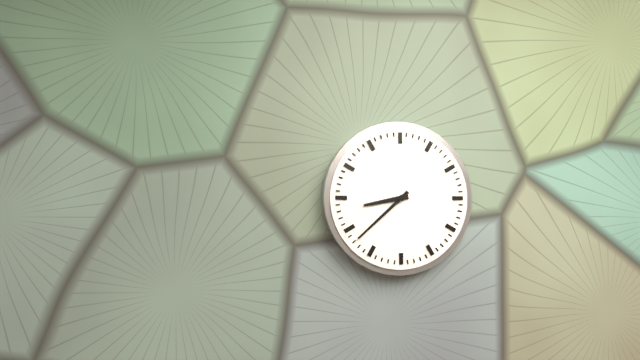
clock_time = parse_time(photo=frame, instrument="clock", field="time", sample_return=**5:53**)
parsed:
**8:38**
